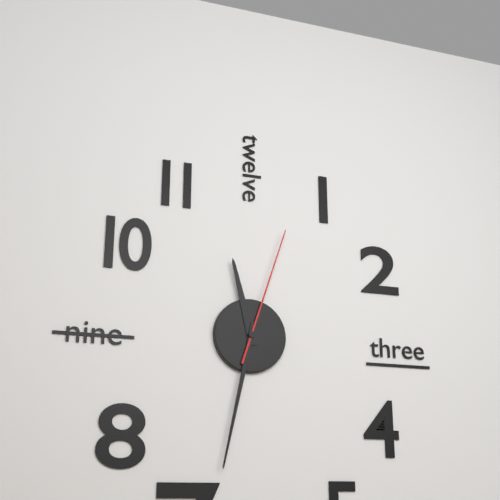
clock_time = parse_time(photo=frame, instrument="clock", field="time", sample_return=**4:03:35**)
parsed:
**11:32:03**
